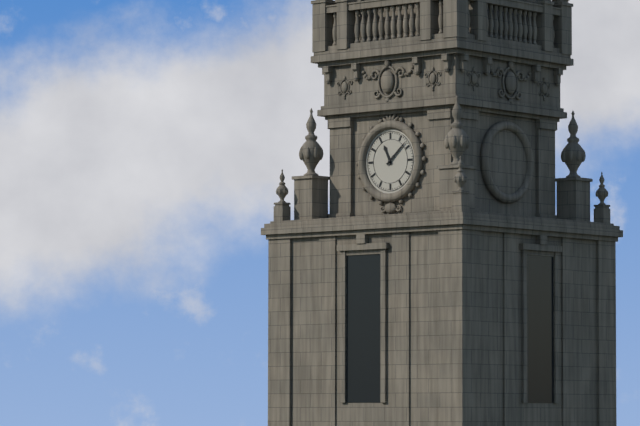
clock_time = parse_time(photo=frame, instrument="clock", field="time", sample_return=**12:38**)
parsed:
**11:08**
